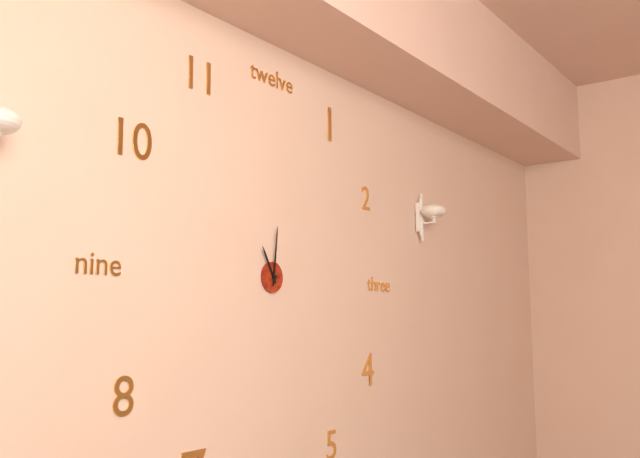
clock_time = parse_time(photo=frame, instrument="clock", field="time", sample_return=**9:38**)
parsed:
**11:01**
